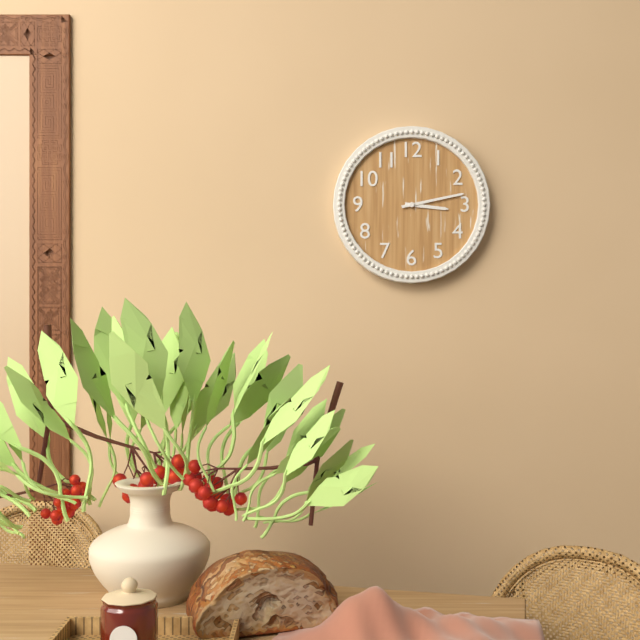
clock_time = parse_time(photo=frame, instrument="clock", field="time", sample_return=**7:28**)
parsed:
**3:13**
